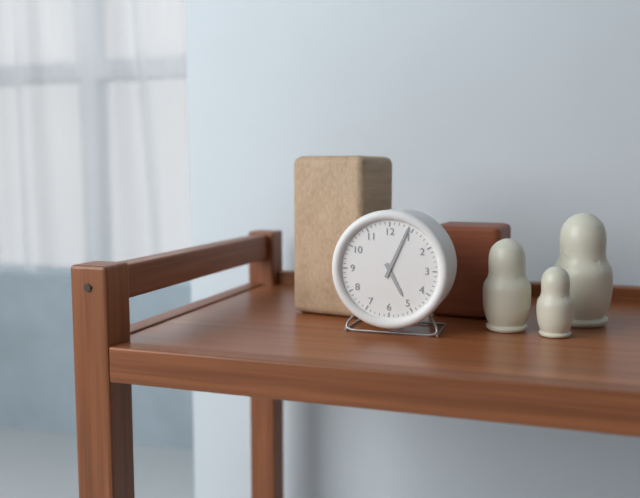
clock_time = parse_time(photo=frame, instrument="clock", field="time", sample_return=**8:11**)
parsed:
**5:04**
